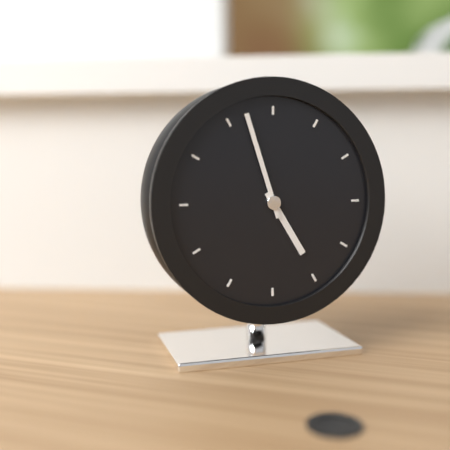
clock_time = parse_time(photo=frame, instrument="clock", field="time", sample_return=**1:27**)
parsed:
**4:57**
